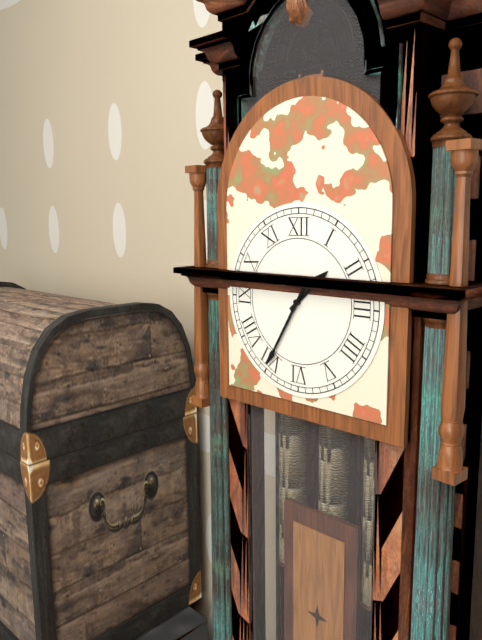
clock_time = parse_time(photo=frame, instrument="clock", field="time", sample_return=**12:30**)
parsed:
**1:35**
